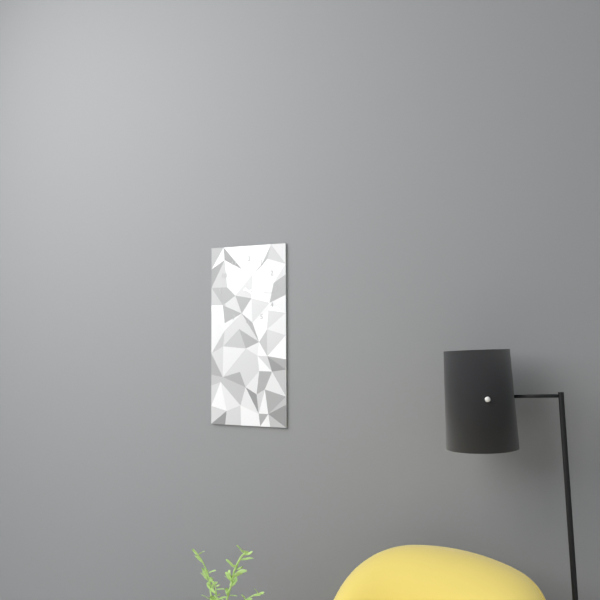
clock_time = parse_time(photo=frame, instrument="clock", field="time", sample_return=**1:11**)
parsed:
**4:16**
